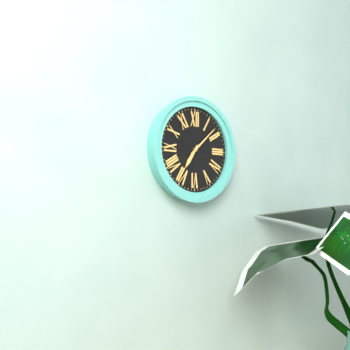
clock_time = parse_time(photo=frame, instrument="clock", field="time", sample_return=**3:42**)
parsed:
**7:08**
